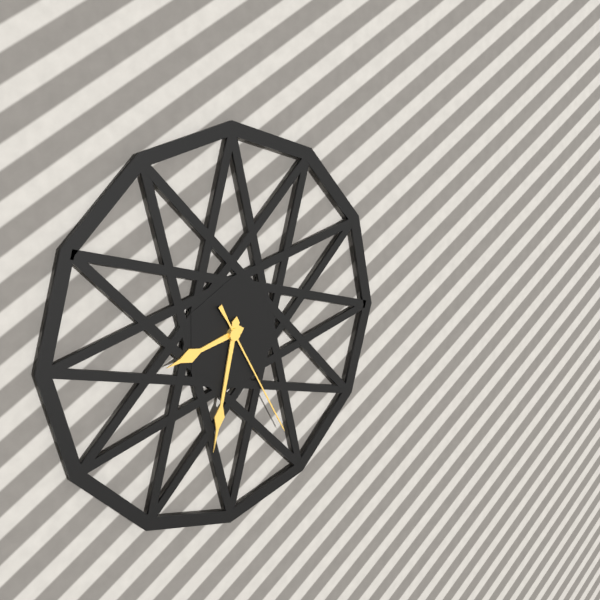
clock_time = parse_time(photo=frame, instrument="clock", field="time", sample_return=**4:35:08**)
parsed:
**8:32:25**
